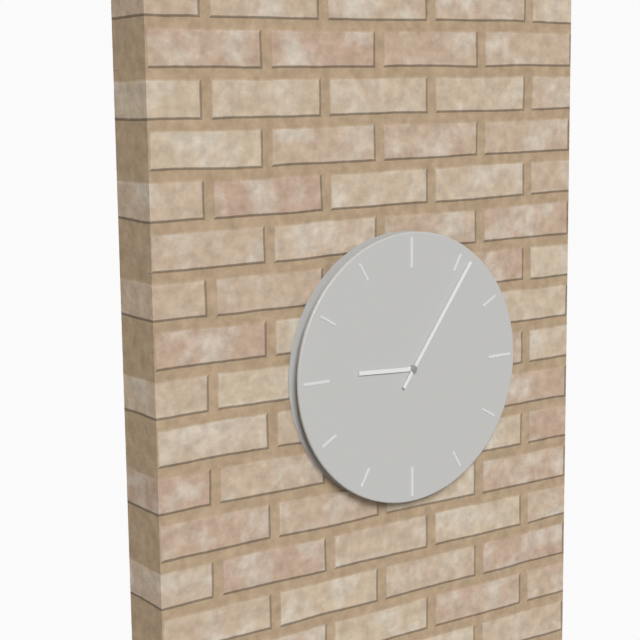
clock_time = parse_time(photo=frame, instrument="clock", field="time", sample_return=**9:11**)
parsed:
**9:06**
